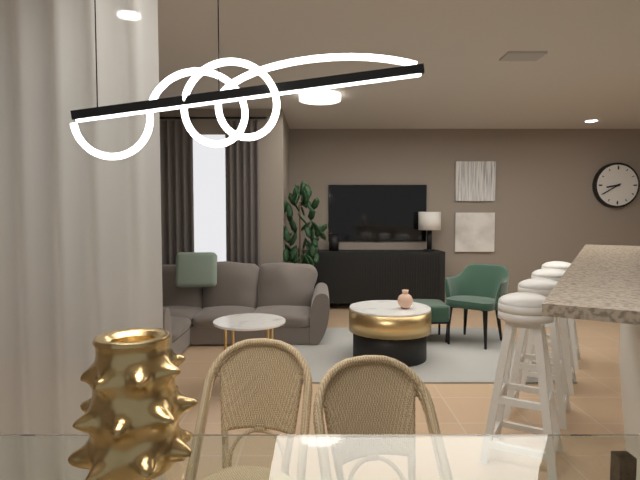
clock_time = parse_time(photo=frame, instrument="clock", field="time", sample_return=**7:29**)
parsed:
**8:40**
